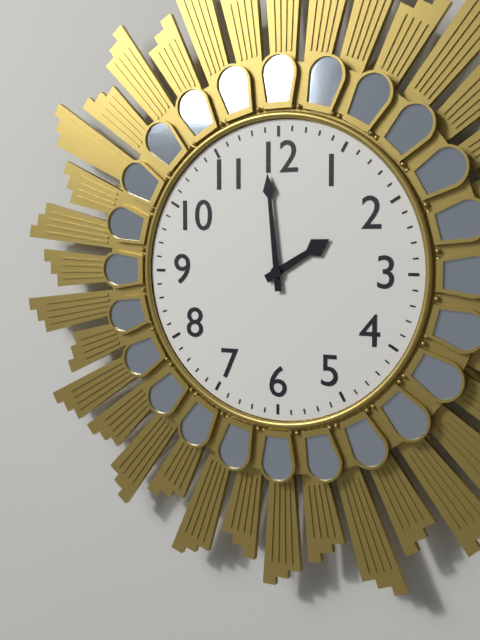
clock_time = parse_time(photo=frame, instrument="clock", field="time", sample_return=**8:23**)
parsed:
**1:59**
